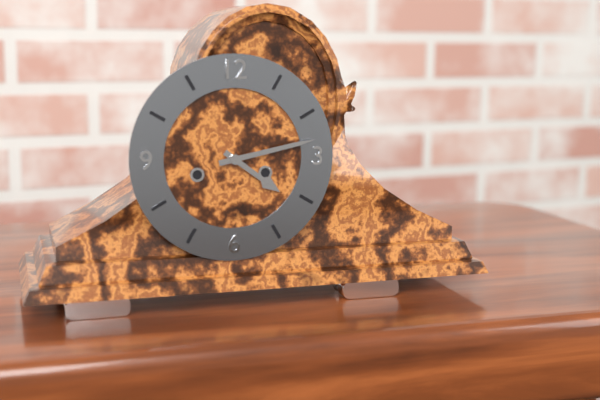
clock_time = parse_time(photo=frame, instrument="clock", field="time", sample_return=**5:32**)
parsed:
**4:13**
